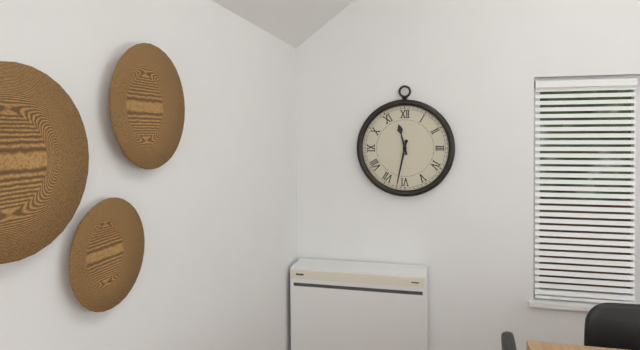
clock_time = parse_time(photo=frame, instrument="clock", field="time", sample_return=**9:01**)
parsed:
**11:32**
